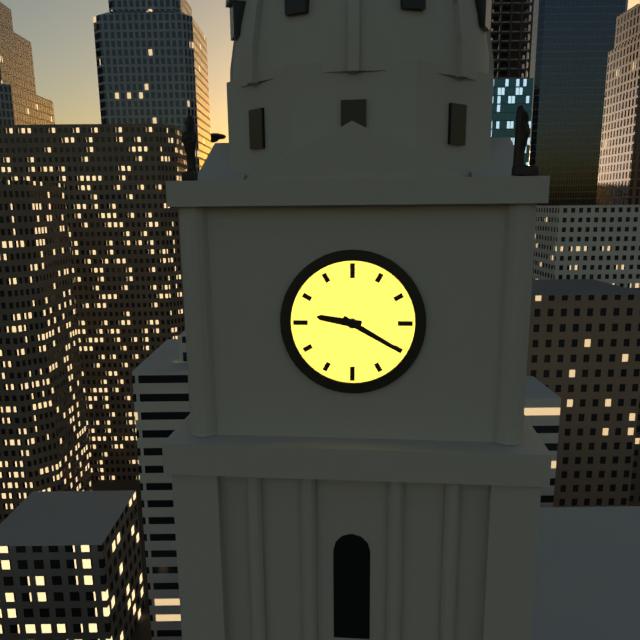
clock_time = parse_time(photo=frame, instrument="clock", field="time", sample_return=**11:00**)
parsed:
**9:20**
